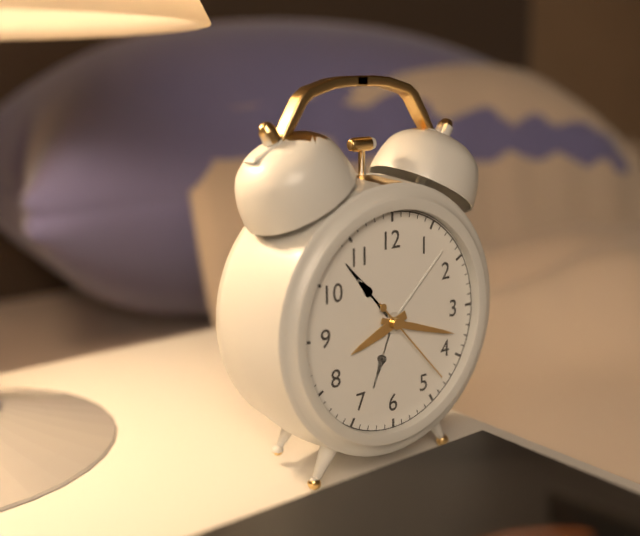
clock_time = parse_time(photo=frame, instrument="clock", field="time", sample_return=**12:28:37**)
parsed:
**8:18:23**
